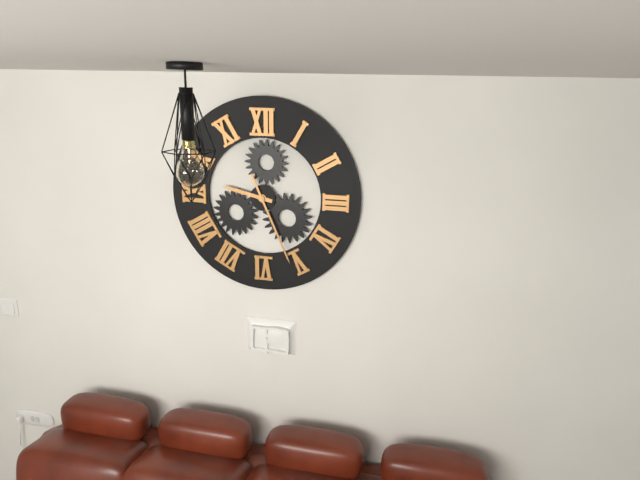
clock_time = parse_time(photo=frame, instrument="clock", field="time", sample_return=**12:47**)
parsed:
**9:26**
